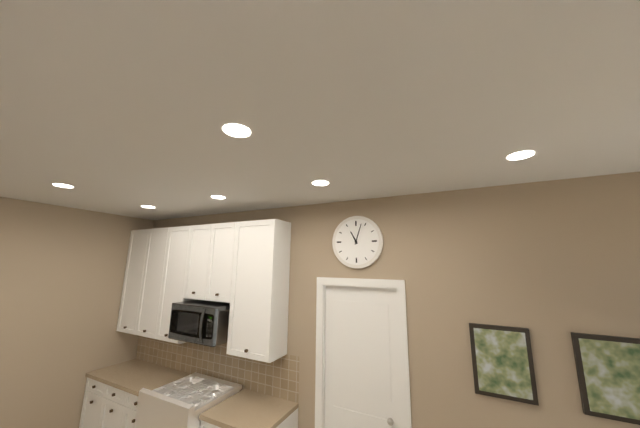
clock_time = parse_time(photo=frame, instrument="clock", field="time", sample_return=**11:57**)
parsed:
**11:03**
